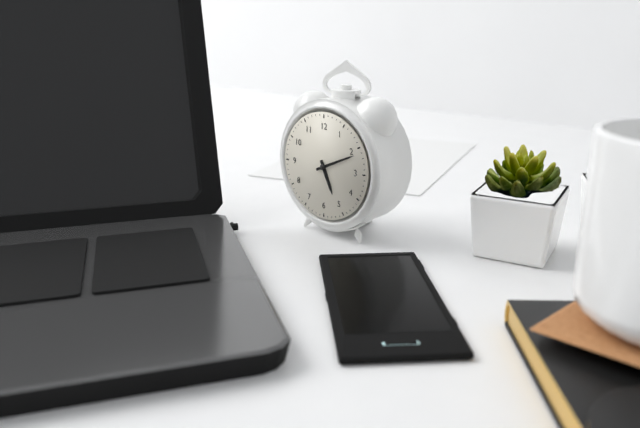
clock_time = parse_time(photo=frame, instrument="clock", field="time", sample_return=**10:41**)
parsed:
**5:11**
